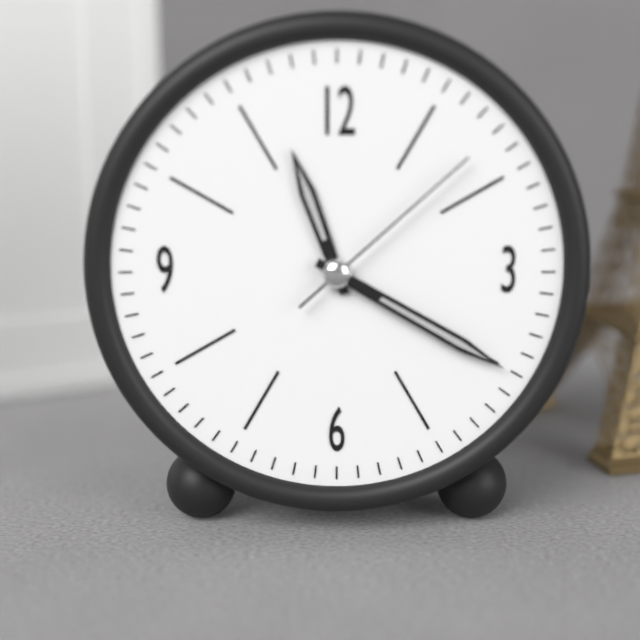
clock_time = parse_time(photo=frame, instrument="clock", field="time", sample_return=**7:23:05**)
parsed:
**11:20:08**
